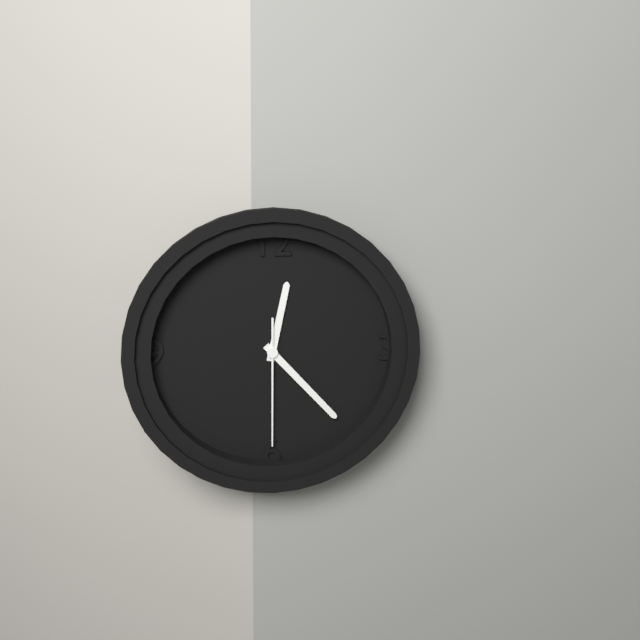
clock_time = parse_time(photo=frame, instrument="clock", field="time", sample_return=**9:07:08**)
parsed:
**12:23:30**
